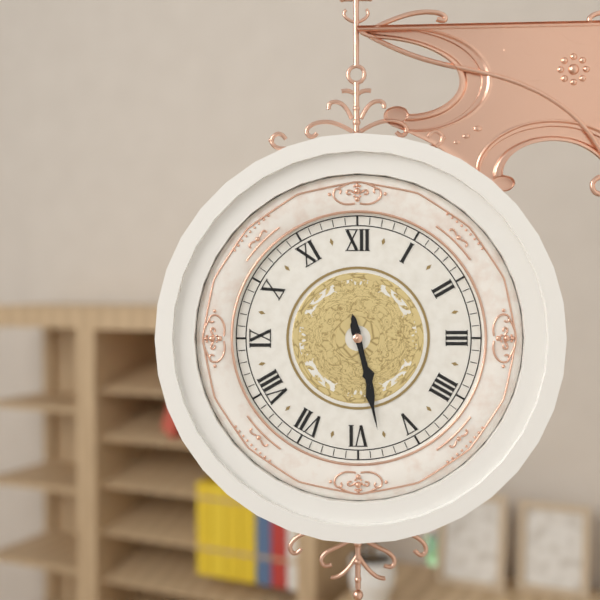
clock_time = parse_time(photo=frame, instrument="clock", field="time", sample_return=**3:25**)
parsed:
**5:28**
